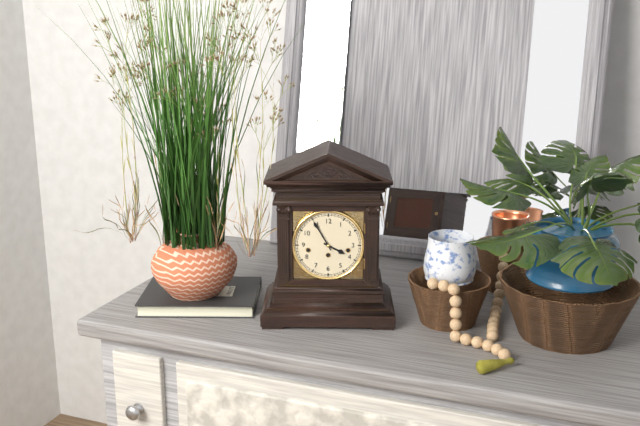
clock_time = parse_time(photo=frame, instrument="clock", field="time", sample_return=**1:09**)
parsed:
**3:55**
